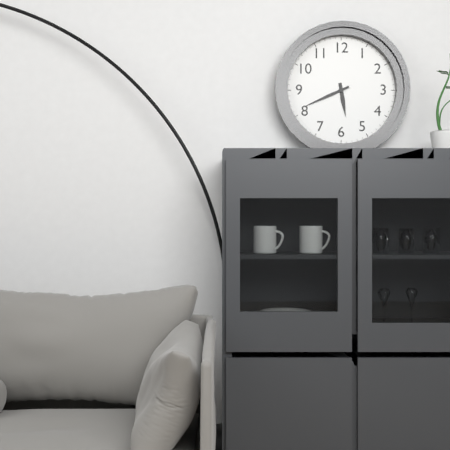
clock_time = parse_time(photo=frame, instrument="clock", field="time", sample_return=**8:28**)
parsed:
**5:41**
